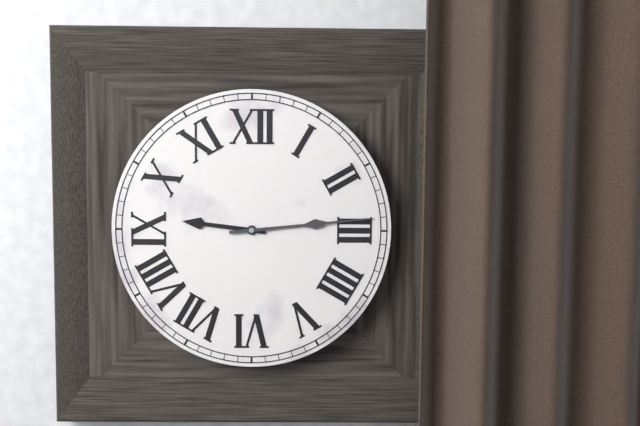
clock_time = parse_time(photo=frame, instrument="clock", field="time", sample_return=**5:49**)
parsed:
**9:14**
